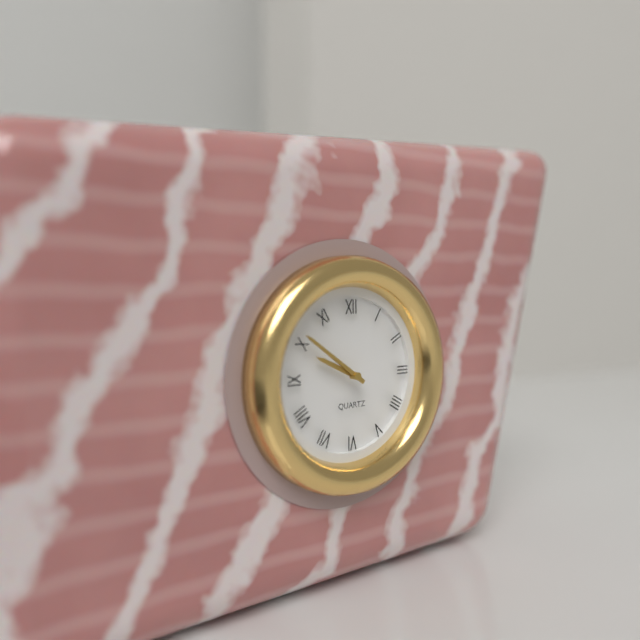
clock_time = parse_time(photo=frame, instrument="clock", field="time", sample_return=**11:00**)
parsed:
**9:51**
